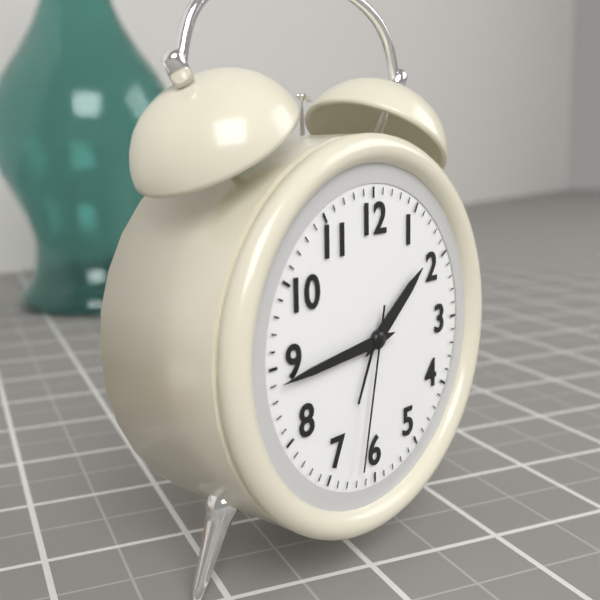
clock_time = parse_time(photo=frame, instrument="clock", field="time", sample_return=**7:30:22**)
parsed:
**1:44:32**
